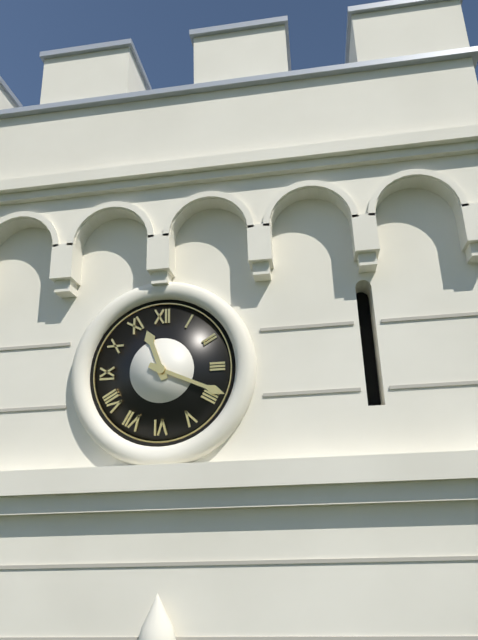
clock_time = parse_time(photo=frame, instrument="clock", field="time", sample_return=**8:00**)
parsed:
**11:19**
